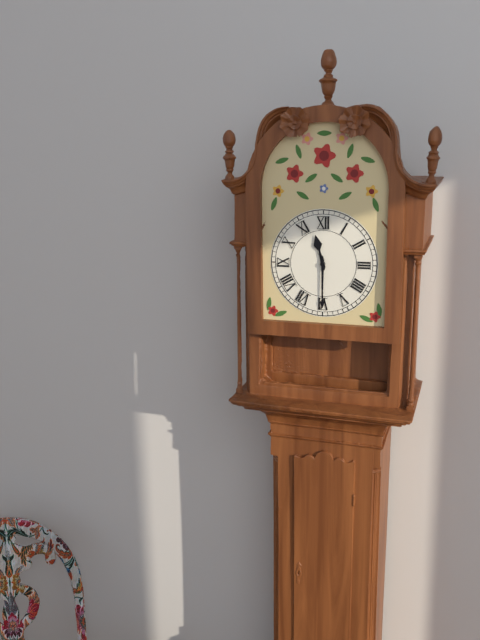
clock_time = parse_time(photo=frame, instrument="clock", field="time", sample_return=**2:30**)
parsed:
**11:30**
